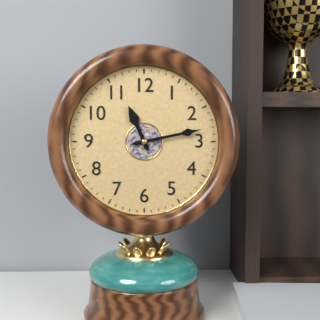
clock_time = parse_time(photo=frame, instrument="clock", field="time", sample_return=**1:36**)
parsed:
**11:13**
